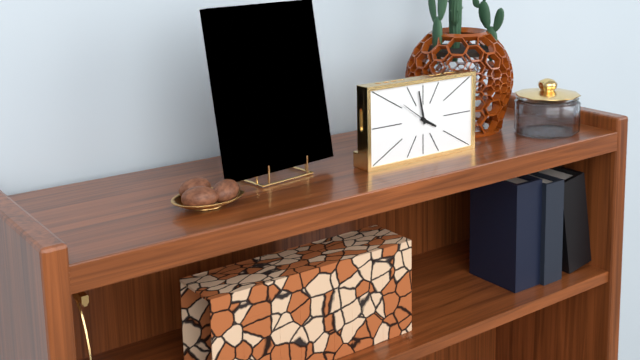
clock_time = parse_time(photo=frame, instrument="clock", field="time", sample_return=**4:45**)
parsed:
**3:58**
